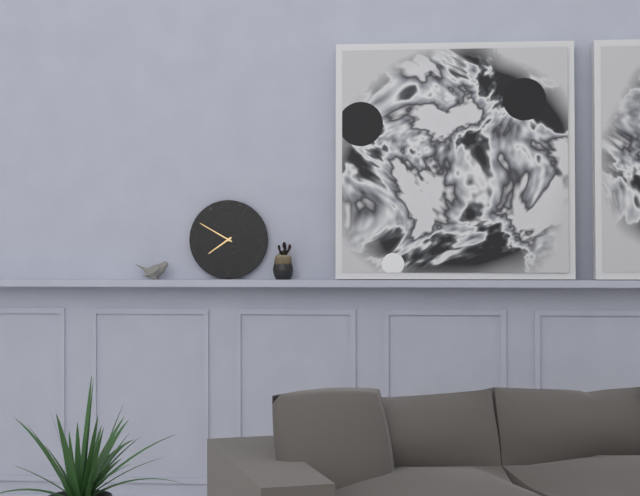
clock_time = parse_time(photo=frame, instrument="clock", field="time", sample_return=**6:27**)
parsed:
**7:50**
